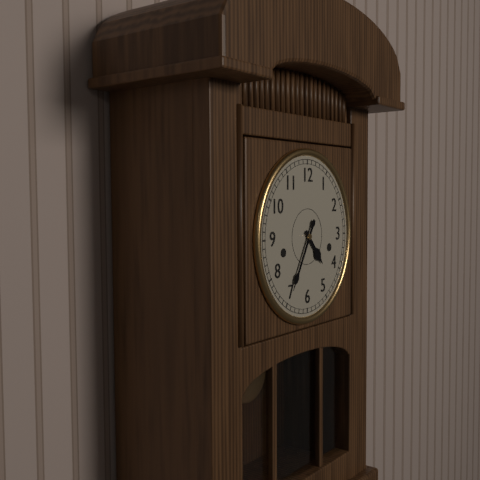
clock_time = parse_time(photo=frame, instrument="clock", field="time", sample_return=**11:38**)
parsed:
**4:35**
